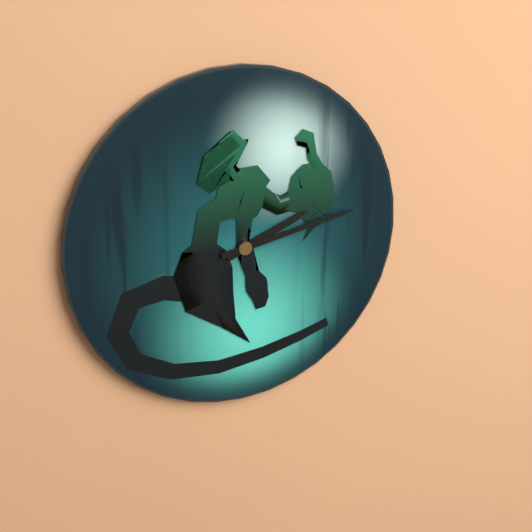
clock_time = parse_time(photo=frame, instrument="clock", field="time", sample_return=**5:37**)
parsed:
**2:13**
